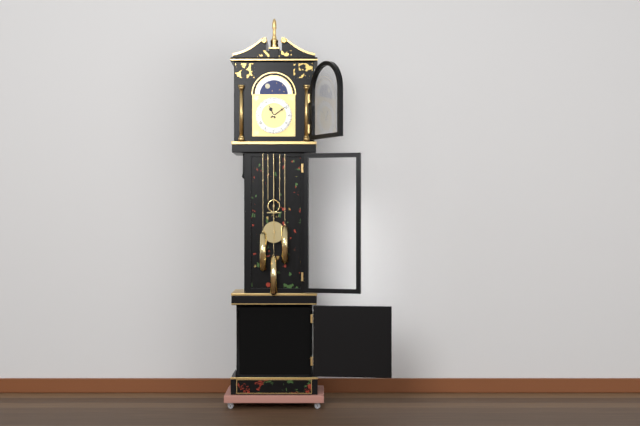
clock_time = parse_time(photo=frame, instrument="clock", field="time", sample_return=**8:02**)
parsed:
**11:09**
